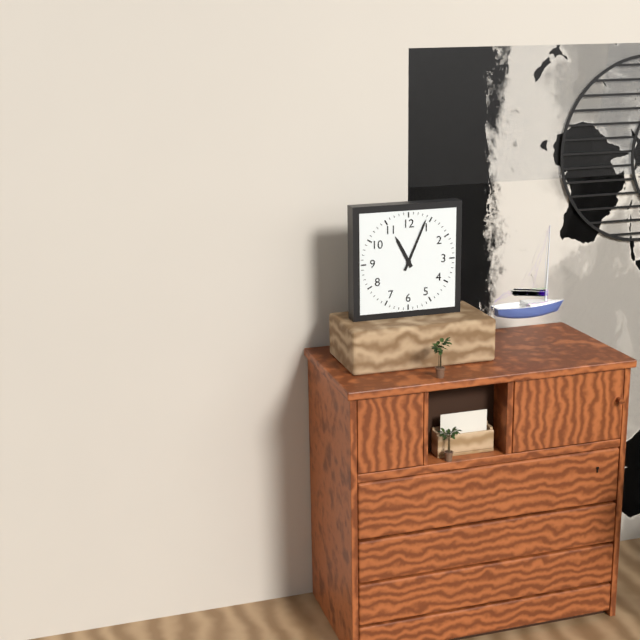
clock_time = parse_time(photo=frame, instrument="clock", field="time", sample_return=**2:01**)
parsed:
**11:04**
